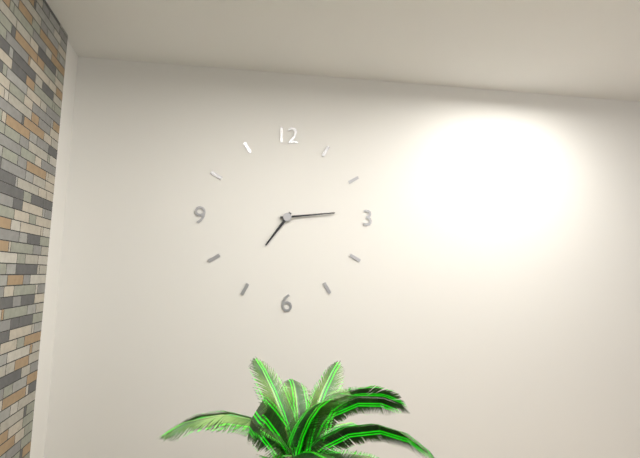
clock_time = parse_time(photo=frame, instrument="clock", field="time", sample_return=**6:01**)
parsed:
**7:14**
